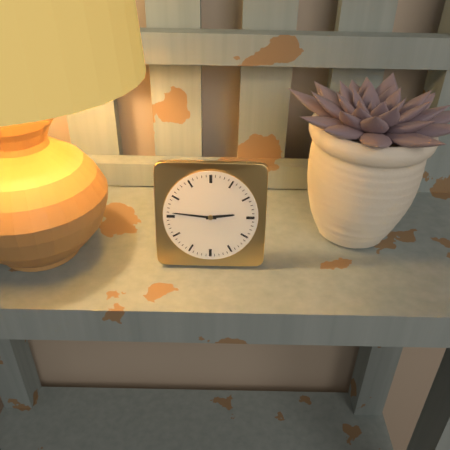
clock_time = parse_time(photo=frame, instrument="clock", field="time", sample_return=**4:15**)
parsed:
**2:46**
